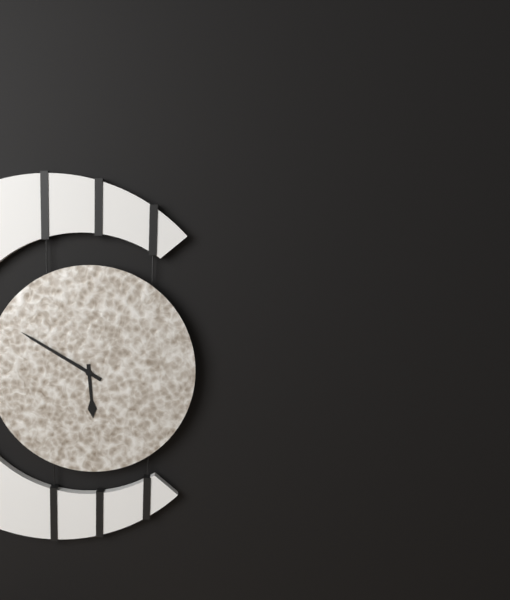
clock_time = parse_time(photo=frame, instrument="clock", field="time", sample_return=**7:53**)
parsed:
**5:50**
